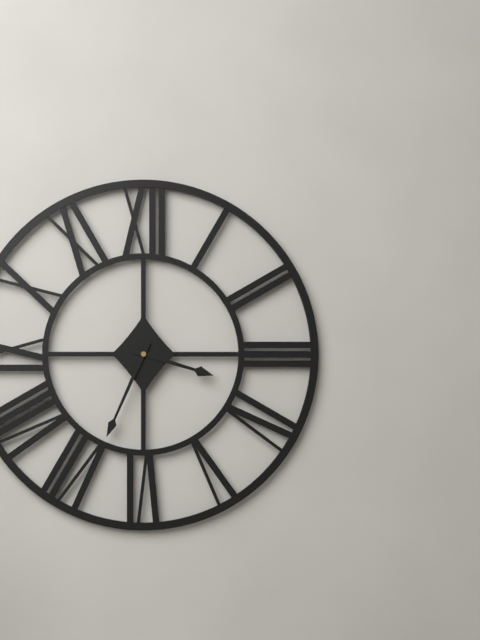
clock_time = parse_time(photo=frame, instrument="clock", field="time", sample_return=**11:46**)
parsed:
**3:34**
